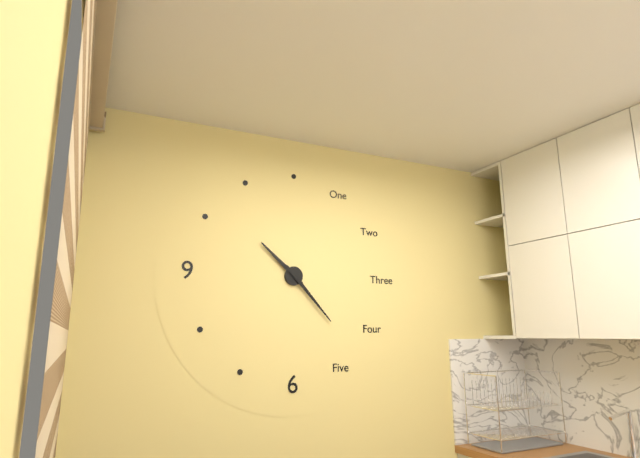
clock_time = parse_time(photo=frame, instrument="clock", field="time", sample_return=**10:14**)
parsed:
**10:23**
